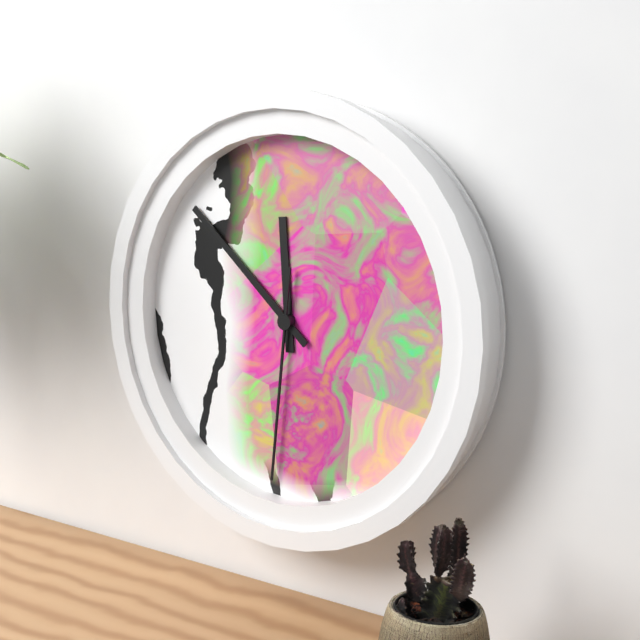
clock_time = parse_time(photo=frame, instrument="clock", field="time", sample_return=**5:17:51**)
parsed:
**11:52:31**
